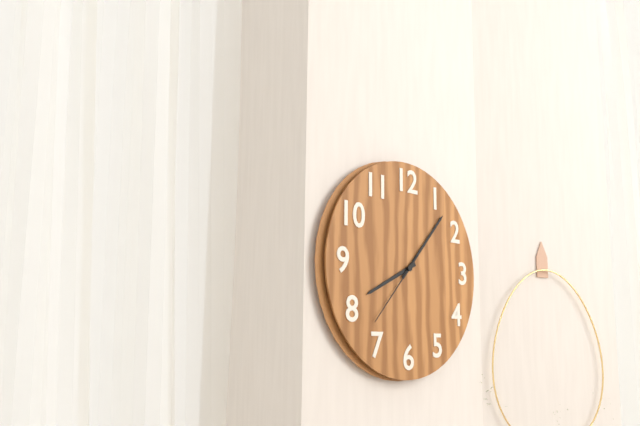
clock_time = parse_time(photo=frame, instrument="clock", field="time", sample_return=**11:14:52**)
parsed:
**8:07:37**
